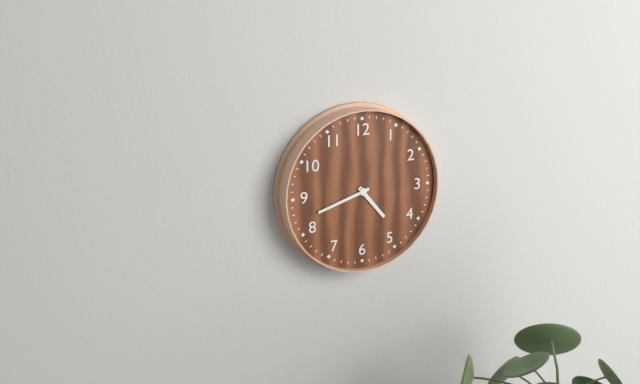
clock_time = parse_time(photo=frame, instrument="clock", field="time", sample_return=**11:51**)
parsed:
**4:42**
